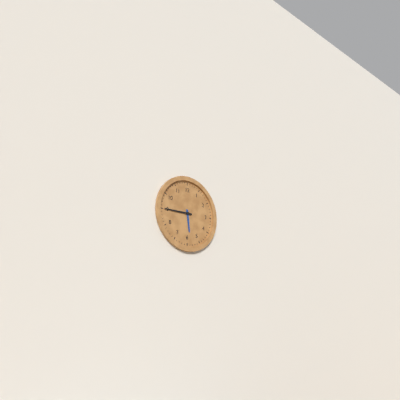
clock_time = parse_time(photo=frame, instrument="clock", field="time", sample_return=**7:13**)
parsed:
**5:45**
